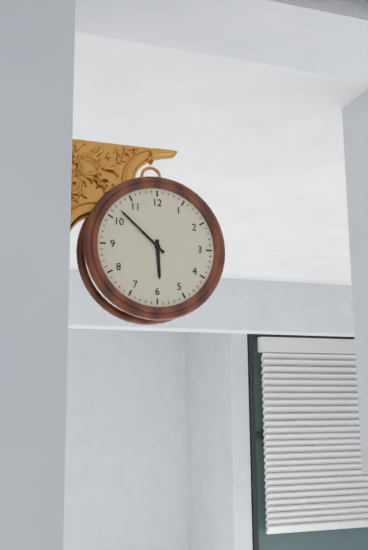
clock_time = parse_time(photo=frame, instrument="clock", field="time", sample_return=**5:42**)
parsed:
**5:52**
